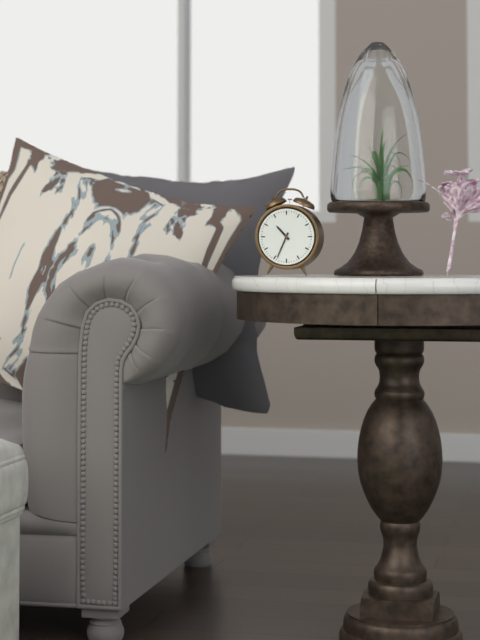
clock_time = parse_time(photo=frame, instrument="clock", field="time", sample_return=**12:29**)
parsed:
**10:34**
